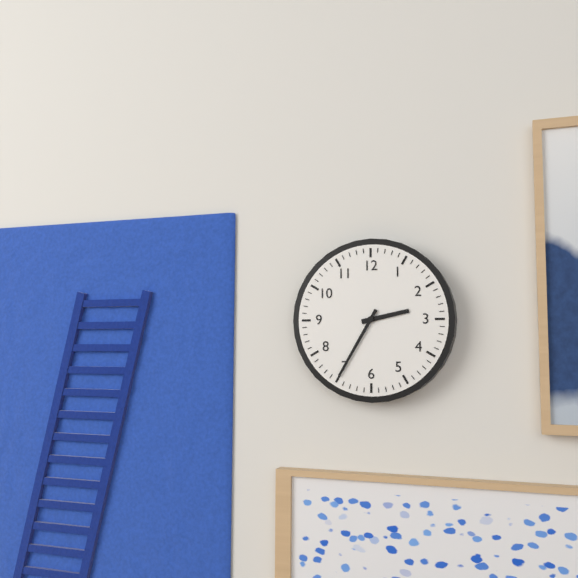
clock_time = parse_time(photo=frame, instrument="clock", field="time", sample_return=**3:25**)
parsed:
**2:35**
